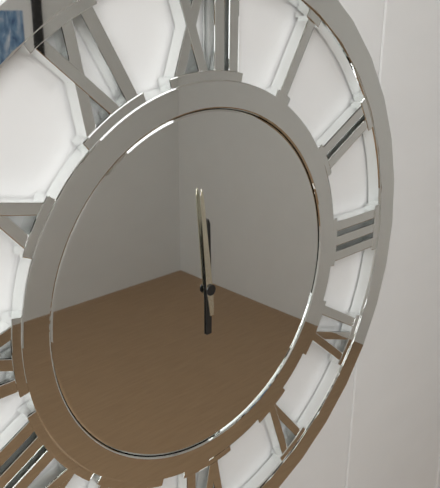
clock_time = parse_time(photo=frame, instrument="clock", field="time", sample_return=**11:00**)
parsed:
**11:59**
